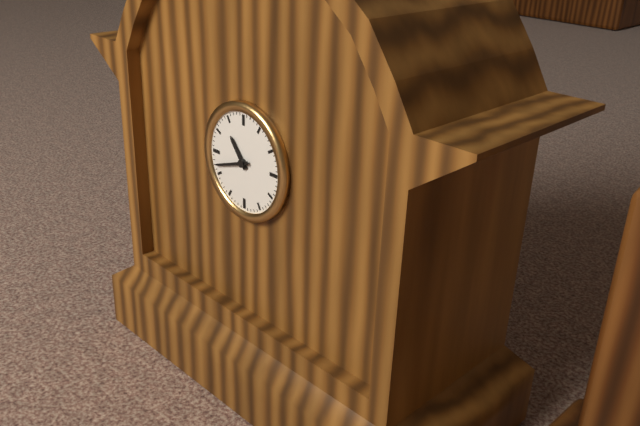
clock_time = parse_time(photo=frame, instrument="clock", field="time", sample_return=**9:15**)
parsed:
**10:42**
